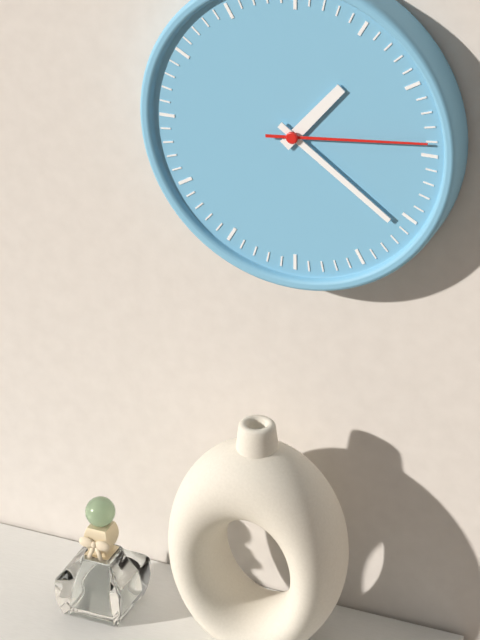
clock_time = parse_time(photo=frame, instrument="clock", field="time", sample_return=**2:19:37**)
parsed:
**1:21:14**
